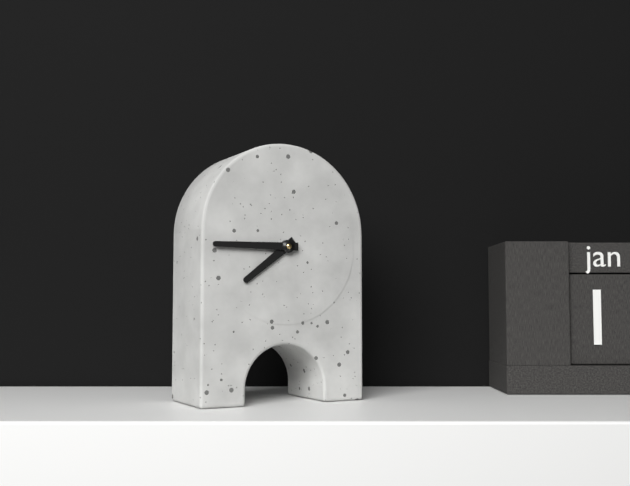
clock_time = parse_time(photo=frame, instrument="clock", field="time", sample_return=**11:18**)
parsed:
**7:45**
